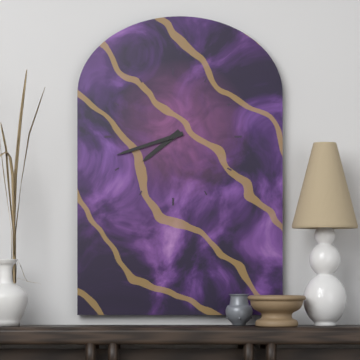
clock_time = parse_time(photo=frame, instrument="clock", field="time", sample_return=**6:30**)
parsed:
**7:42**
